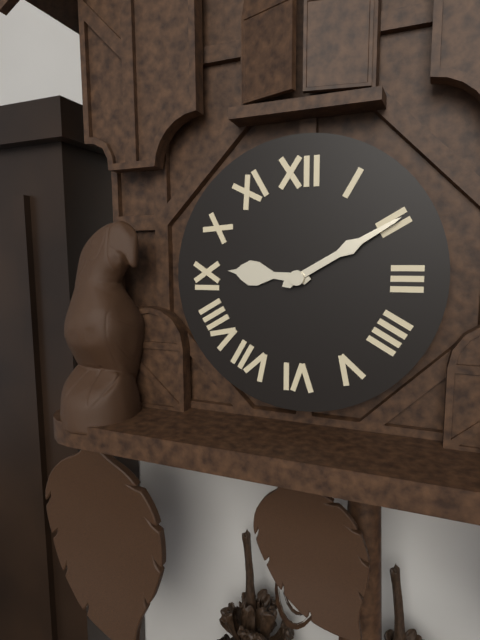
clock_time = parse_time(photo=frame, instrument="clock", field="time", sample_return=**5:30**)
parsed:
**9:10**
